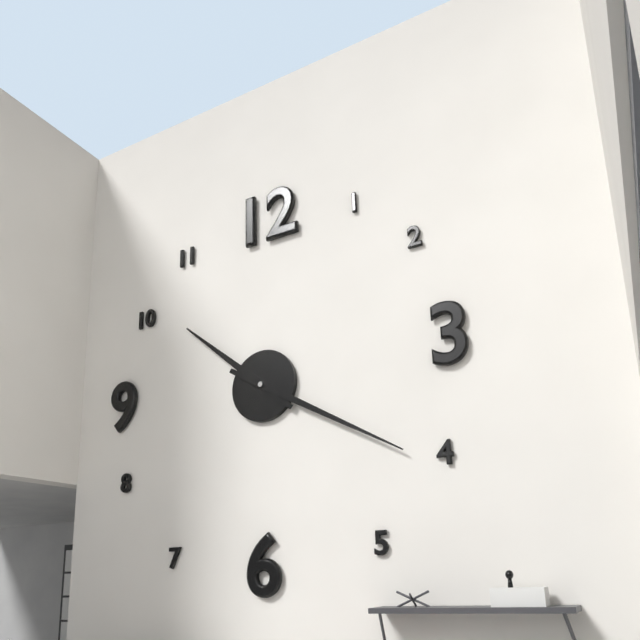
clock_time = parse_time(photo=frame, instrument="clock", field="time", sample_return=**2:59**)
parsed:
**10:20**
